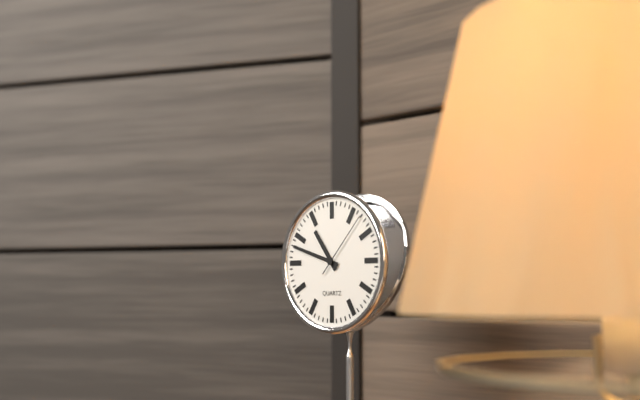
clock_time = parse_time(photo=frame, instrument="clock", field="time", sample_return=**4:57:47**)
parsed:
**10:48:07**
